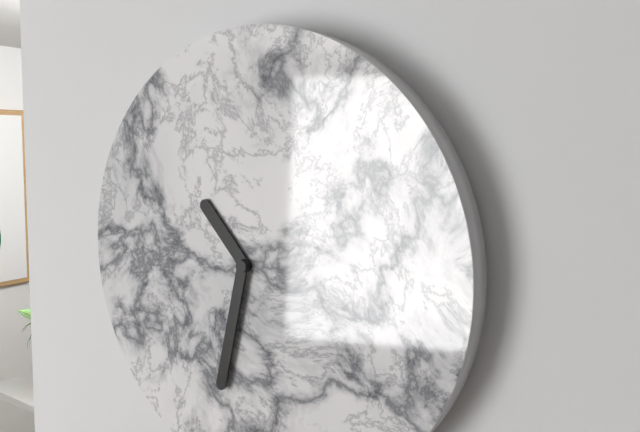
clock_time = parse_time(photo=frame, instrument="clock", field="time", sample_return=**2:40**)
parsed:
**10:32**
